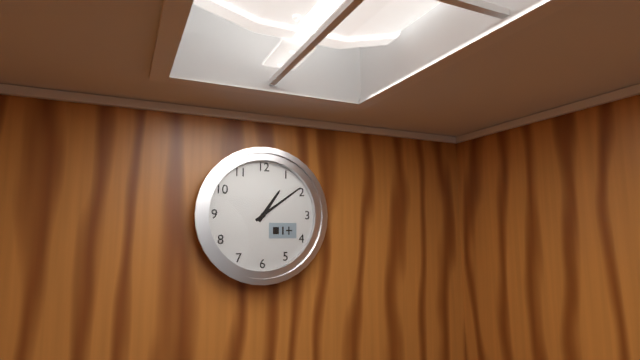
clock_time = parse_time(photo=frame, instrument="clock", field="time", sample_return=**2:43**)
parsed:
**1:09**
